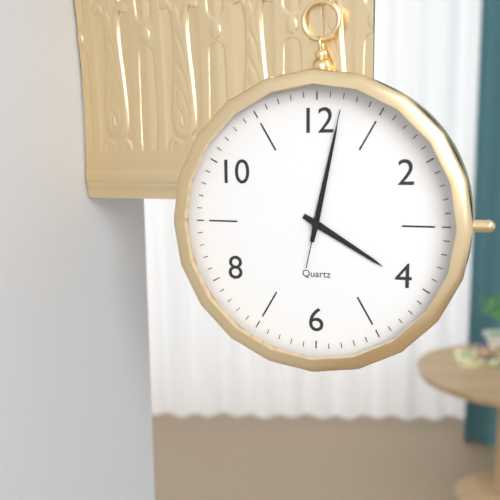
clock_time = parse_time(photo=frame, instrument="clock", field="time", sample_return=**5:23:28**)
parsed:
**4:02:02**
